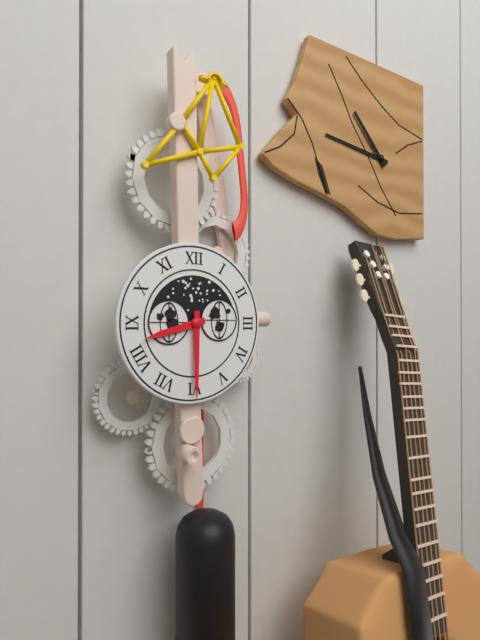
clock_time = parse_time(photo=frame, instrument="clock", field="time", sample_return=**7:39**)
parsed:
**8:30**
